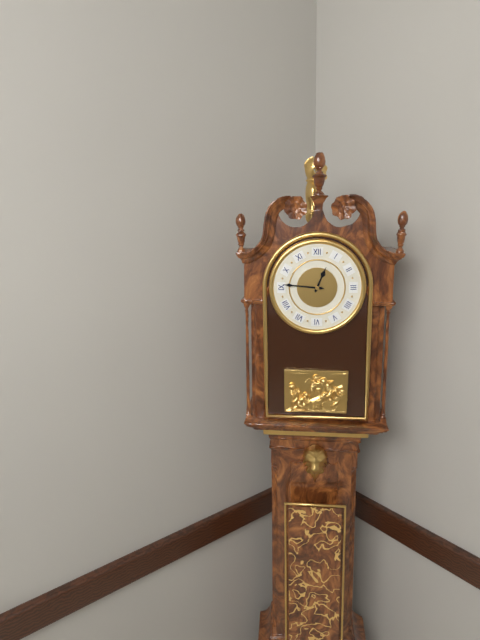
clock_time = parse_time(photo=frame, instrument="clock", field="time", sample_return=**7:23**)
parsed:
**12:46**
